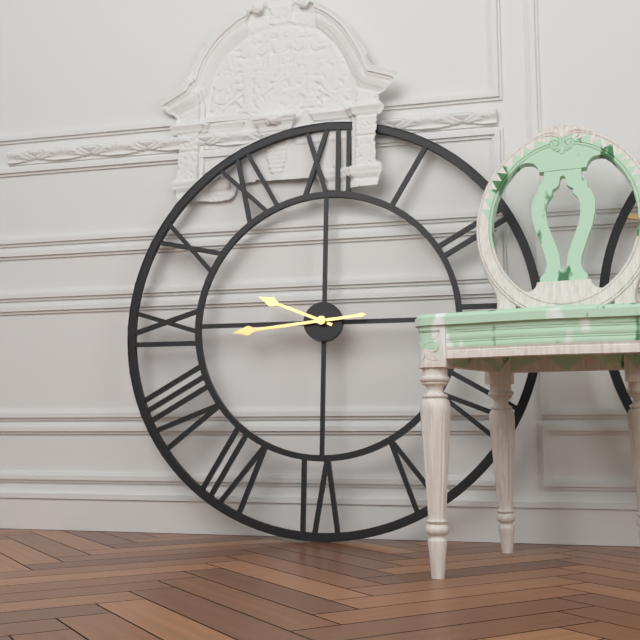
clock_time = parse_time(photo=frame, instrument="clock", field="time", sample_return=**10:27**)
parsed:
**9:44**
